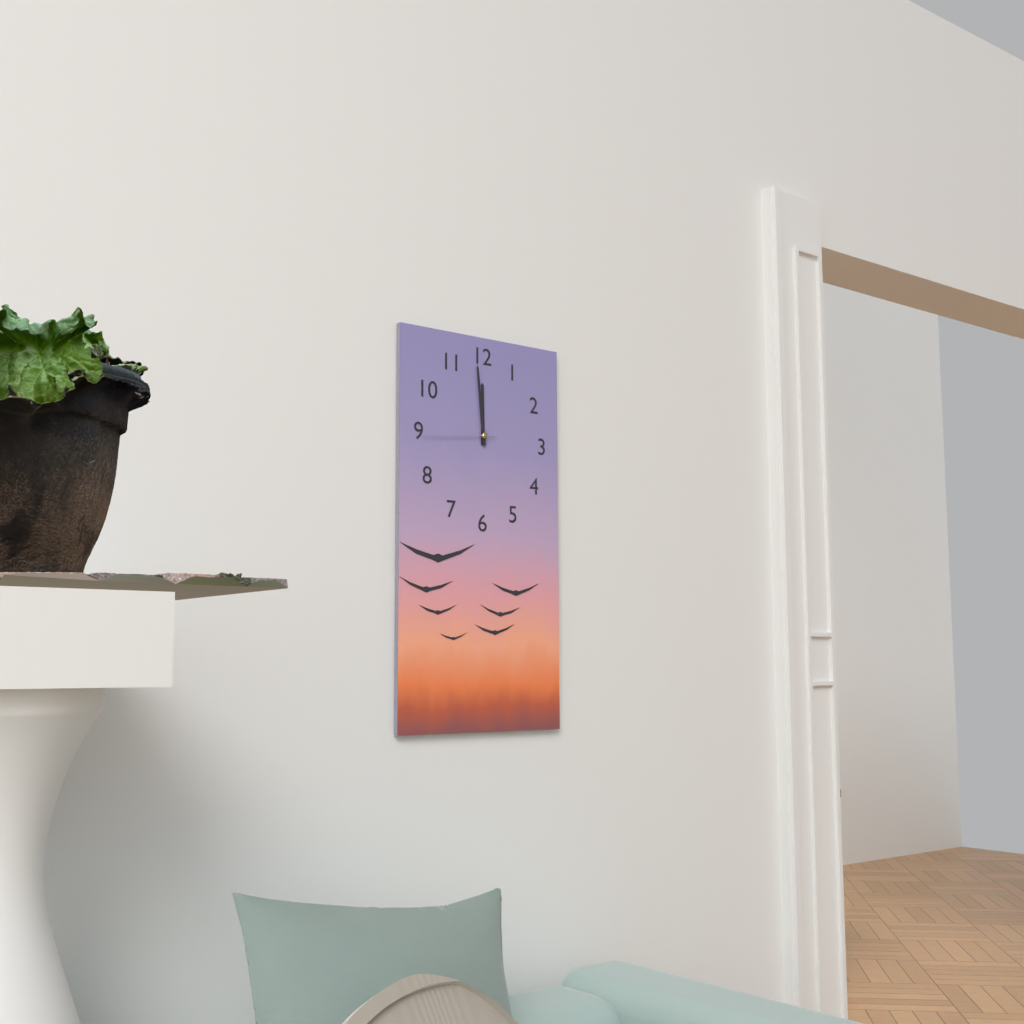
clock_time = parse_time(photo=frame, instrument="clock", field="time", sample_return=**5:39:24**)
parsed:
**11:59:44**
